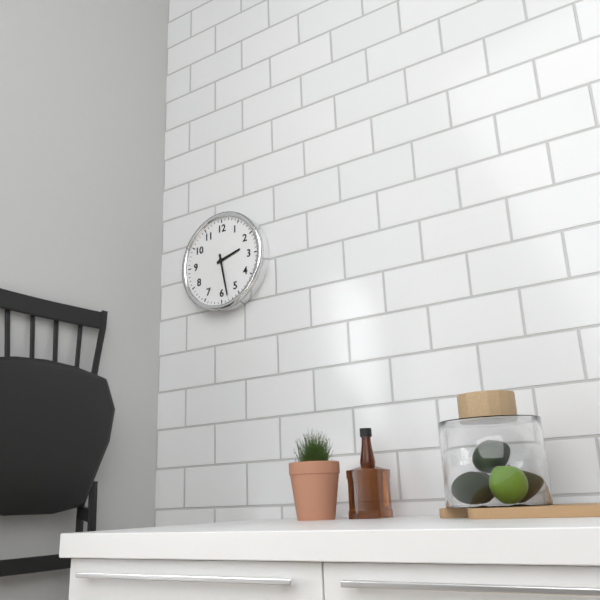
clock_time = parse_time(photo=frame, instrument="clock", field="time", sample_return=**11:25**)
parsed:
**2:28**
